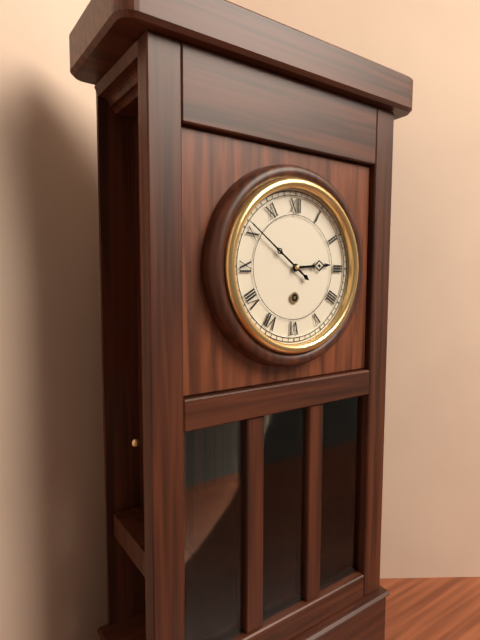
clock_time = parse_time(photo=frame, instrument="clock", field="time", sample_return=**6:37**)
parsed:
**2:51**
